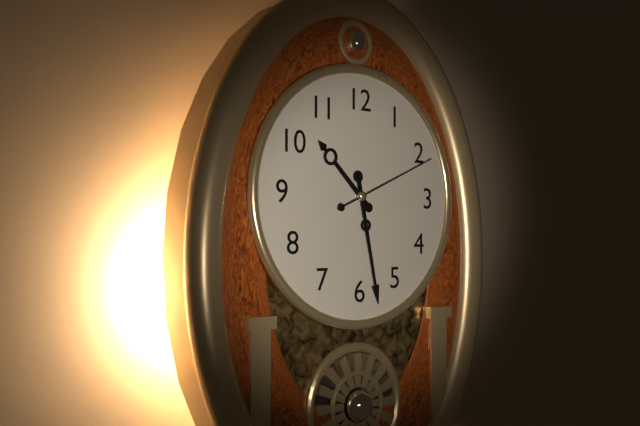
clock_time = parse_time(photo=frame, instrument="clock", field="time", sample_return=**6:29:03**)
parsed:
**10:28:11**
